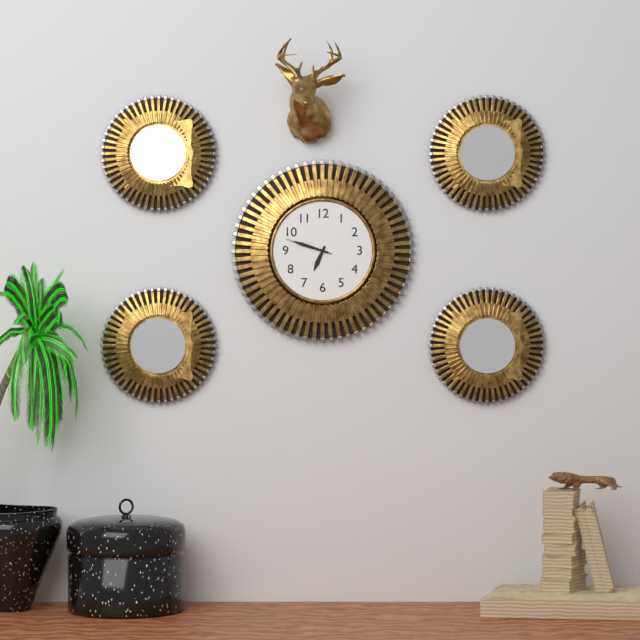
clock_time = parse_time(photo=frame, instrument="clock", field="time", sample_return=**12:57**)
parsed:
**6:48**
